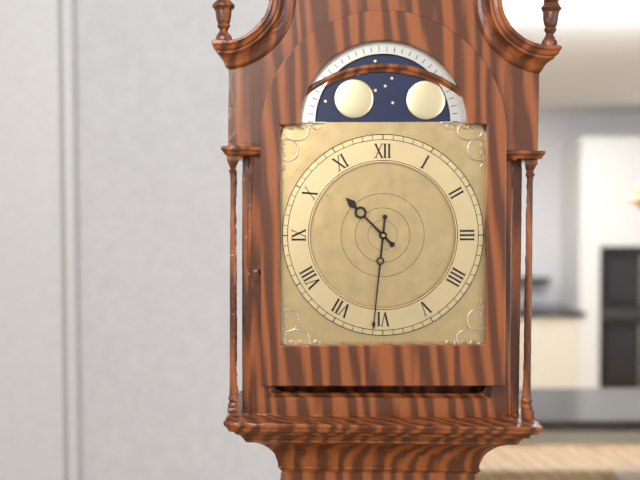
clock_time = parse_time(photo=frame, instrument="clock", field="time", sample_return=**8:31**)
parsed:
**10:31**
